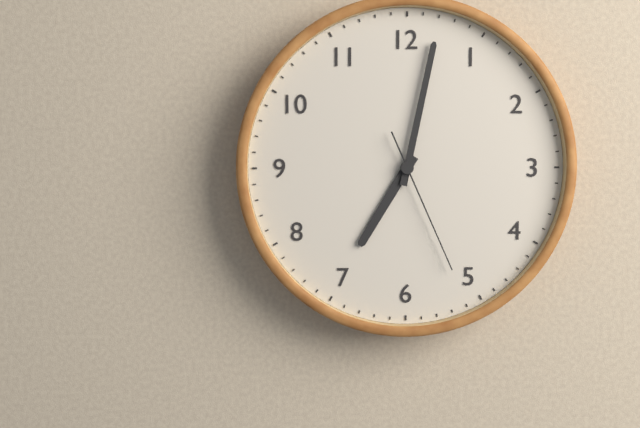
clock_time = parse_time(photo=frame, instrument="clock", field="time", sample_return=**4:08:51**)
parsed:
**7:02:26**
